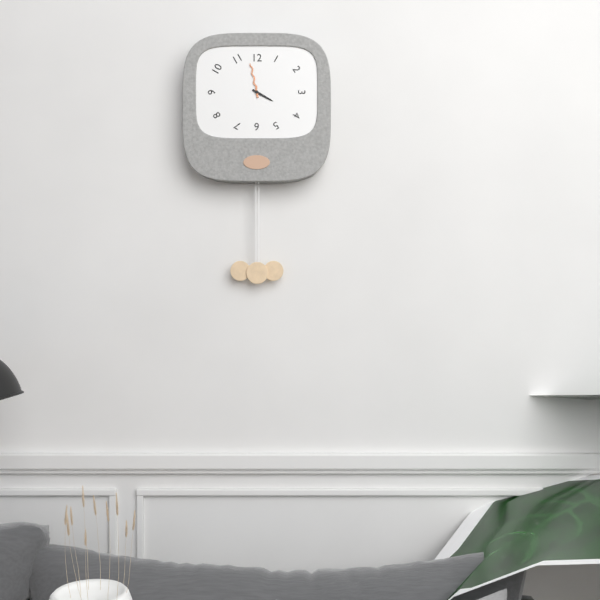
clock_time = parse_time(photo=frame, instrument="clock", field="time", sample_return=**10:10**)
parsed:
**3:58**
